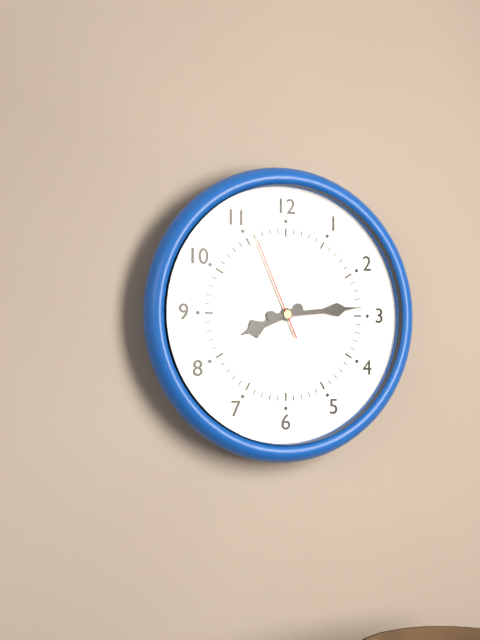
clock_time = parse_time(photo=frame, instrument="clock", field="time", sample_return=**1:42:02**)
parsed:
**8:14:56**
